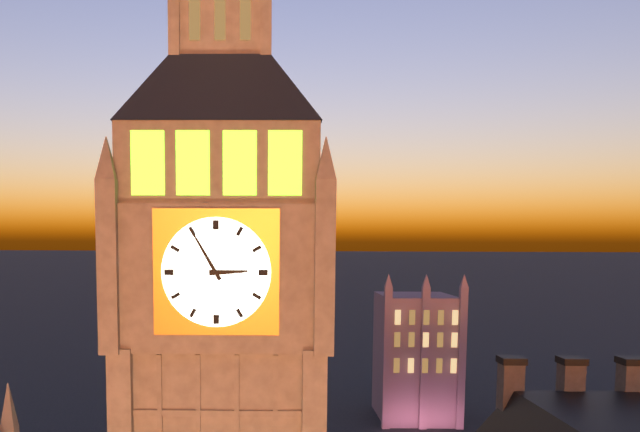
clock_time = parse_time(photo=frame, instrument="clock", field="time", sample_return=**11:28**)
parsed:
**2:55**
